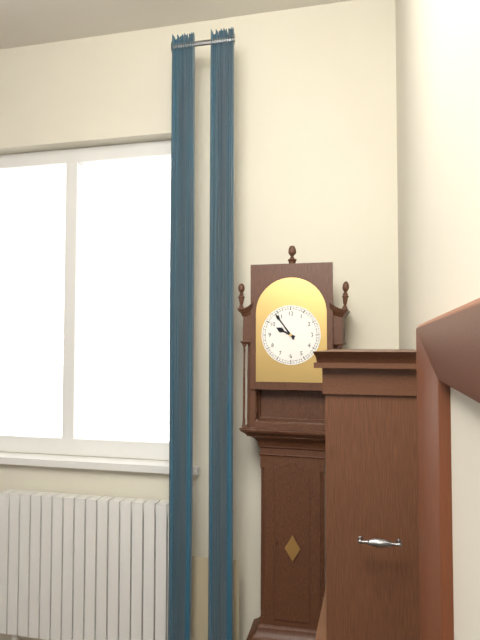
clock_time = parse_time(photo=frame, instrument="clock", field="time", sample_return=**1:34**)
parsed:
**9:54**
